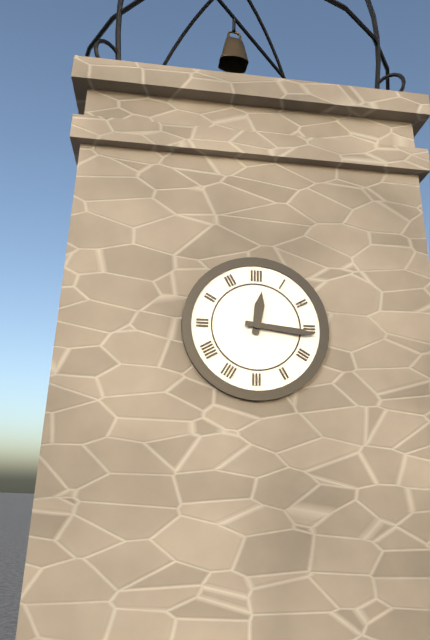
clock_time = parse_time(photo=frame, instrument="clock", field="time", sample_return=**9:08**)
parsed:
**12:16**
